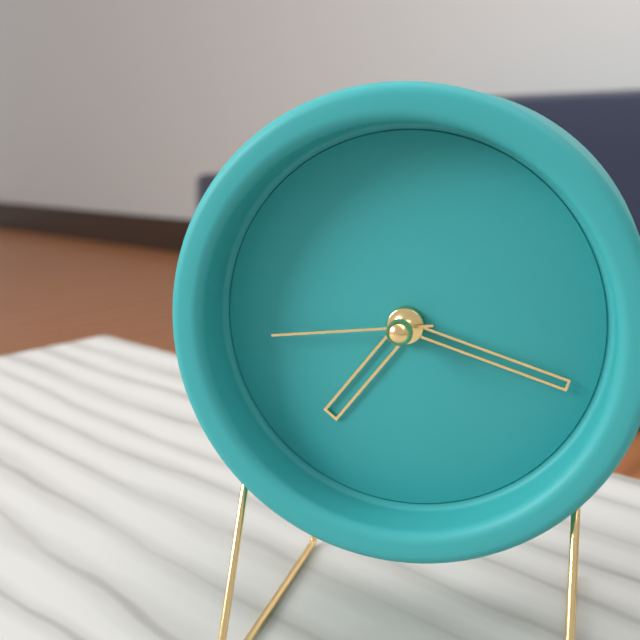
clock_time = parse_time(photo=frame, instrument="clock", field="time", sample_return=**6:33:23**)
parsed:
**7:18:44**
